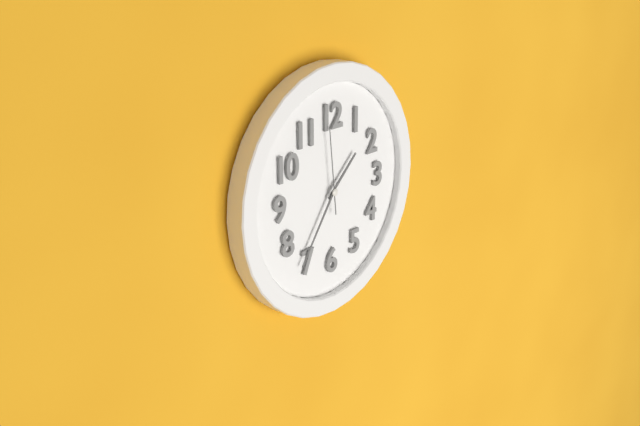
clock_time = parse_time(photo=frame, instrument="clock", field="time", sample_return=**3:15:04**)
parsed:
**1:36:59**
